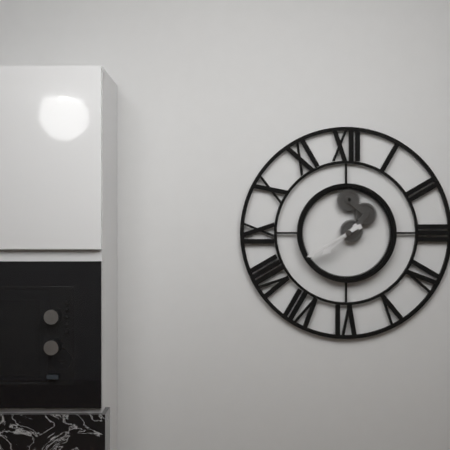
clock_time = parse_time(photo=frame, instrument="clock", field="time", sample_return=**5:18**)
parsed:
**7:40**
